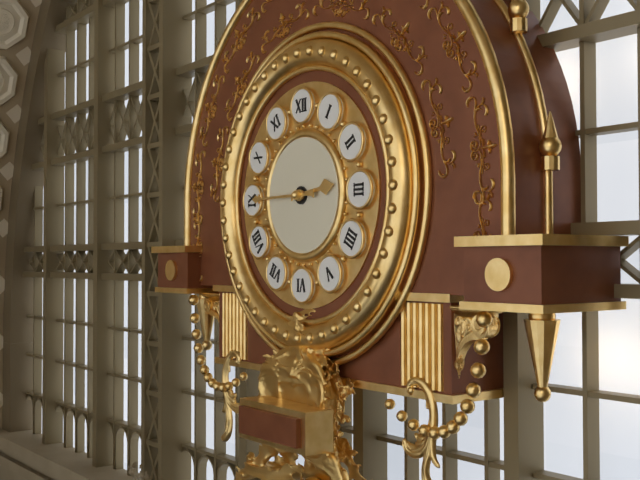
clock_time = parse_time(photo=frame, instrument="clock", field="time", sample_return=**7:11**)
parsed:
**2:45**
